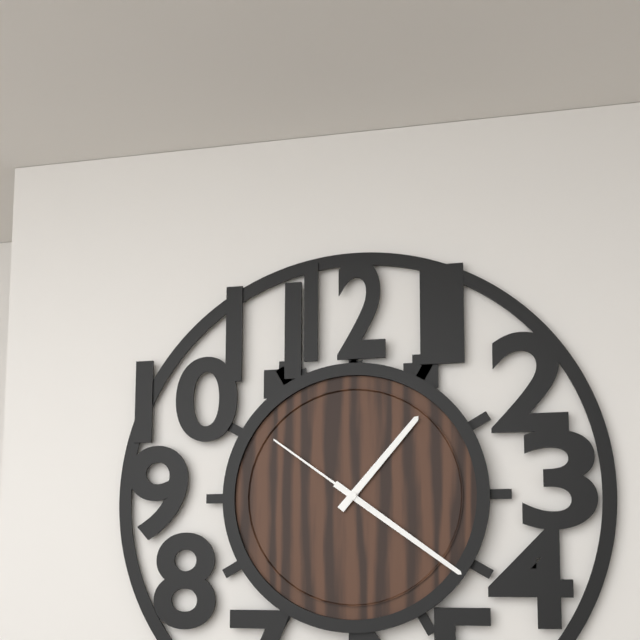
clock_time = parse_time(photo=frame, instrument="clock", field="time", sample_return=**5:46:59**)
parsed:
**1:21:51**
